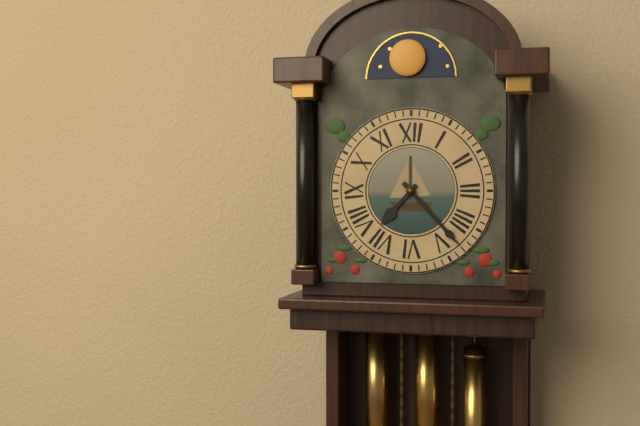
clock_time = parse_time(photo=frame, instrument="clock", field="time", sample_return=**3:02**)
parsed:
**7:23**
